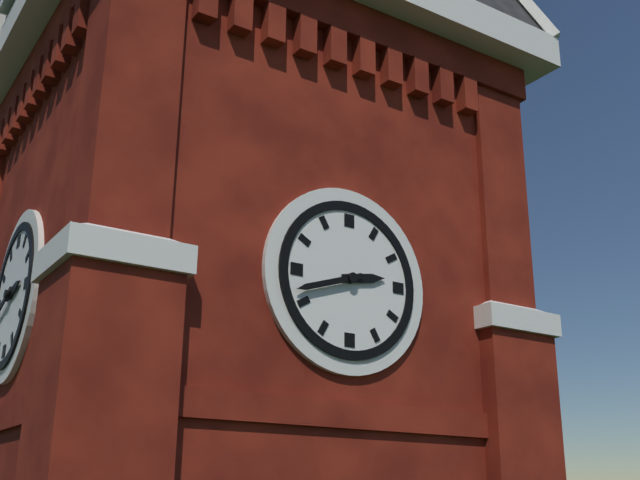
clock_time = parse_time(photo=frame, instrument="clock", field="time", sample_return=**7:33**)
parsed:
**2:42**
